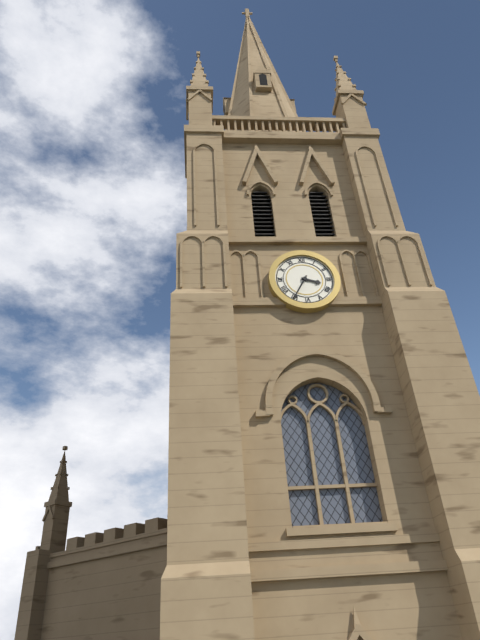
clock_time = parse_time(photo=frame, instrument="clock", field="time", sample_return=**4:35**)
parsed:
**3:35**
